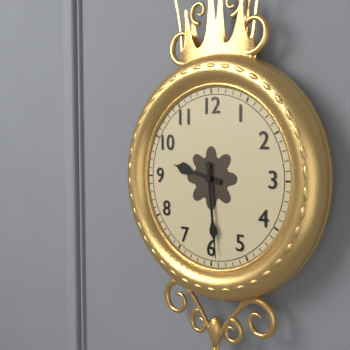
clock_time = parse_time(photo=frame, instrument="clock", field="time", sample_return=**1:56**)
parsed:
**9:29**
